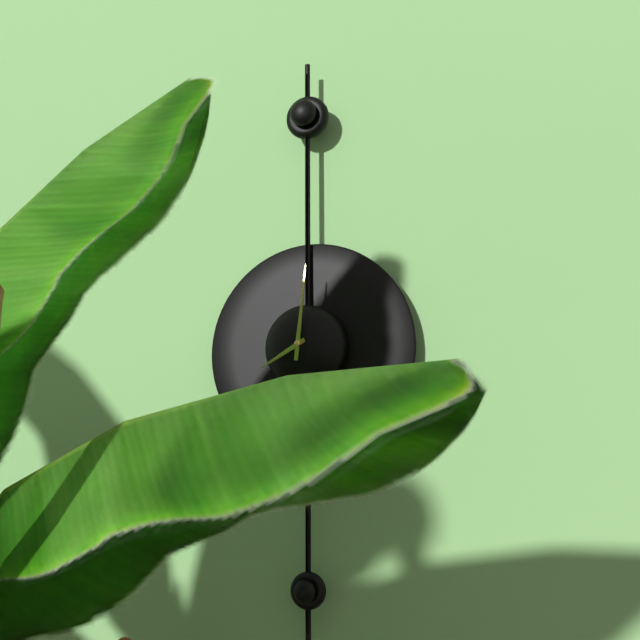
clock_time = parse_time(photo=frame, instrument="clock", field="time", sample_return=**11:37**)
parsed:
**8:01**
